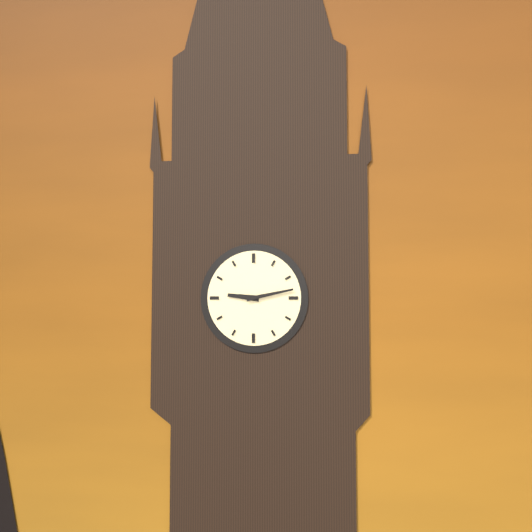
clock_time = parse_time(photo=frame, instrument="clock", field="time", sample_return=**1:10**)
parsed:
**9:13**
